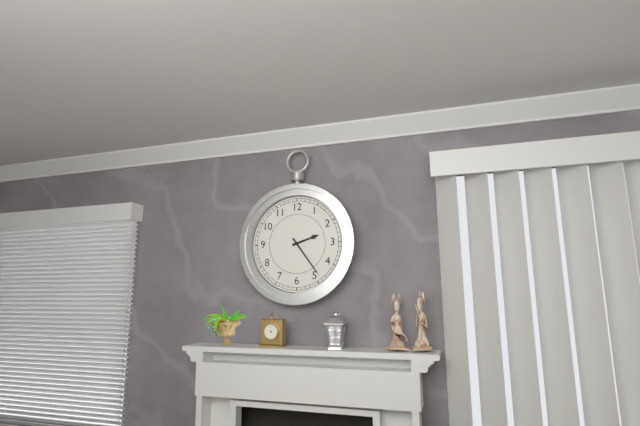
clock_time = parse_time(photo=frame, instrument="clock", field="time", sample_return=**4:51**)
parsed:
**2:24**
